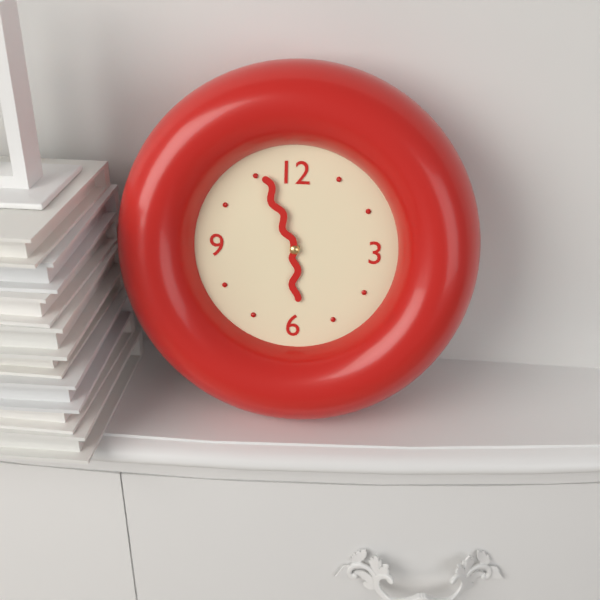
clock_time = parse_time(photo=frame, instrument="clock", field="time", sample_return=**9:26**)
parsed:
**5:56**
